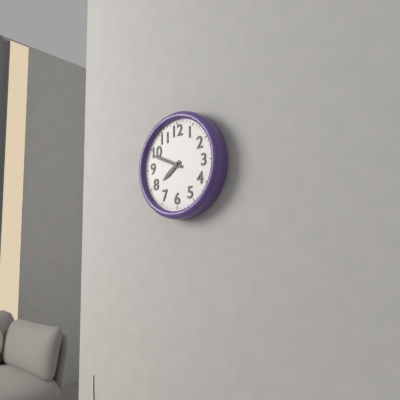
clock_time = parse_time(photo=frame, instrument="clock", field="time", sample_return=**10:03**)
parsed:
**7:49**
